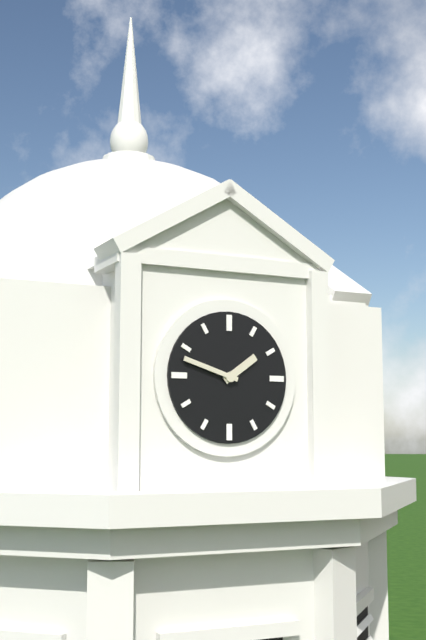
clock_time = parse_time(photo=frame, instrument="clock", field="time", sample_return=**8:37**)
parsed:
**1:48**
